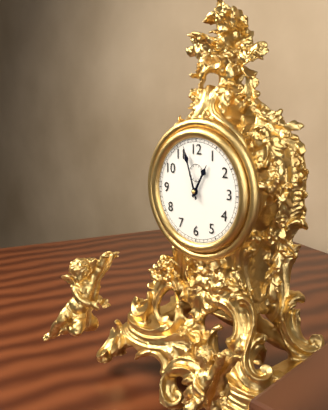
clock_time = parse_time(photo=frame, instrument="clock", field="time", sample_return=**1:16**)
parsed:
**12:57**
